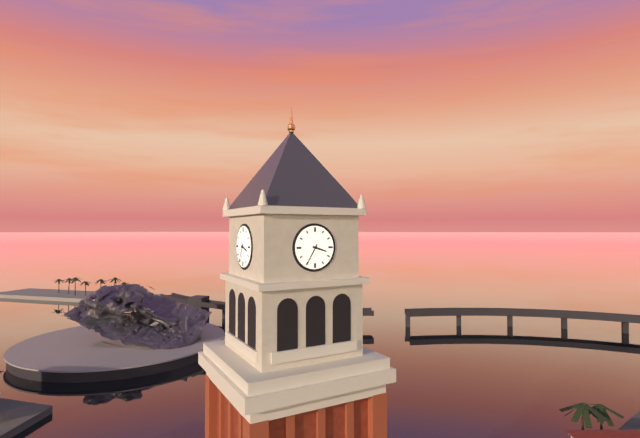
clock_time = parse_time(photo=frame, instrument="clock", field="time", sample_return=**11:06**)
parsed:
**3:35**
